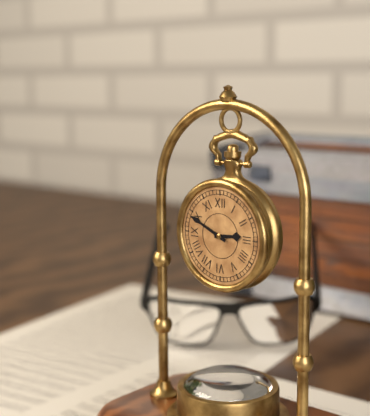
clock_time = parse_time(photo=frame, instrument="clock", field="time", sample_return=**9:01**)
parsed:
**2:49**
